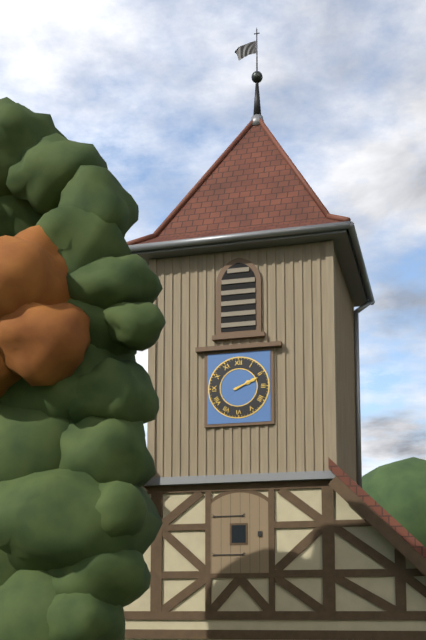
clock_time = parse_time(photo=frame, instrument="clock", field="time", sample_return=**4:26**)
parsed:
**2:11**
